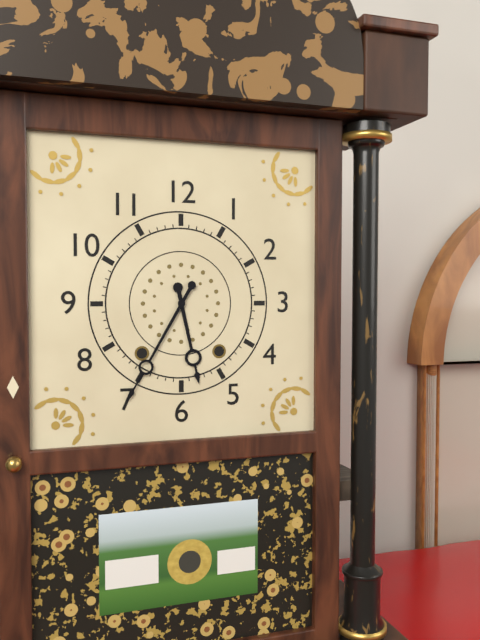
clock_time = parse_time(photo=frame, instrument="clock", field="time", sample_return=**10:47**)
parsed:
**5:35**
